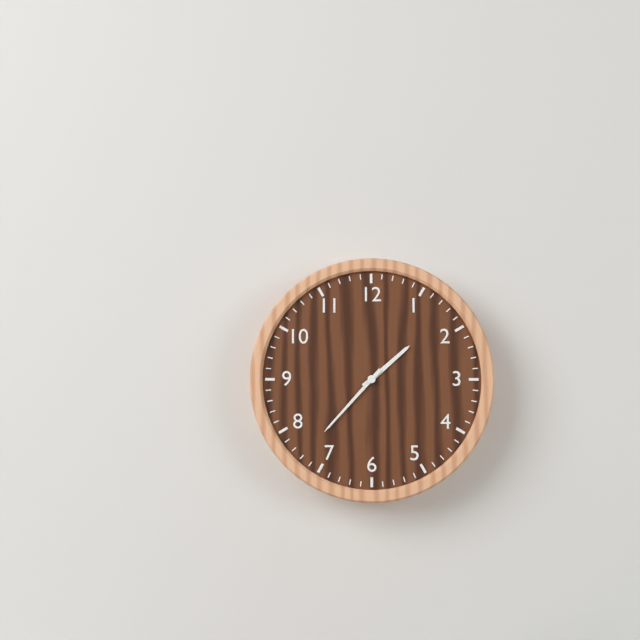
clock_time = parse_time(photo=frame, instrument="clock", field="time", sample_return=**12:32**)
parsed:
**1:37**
